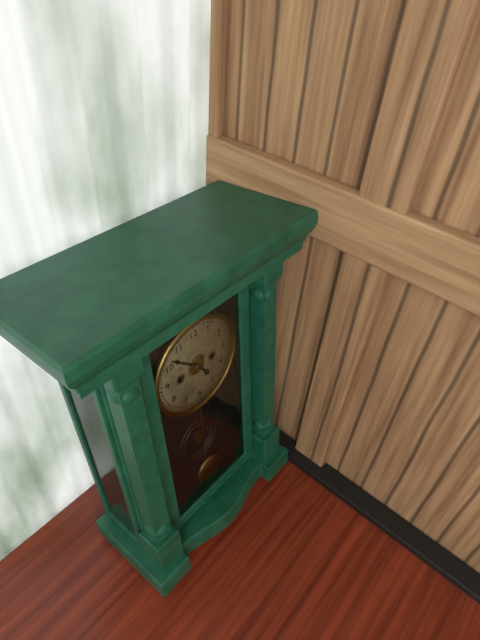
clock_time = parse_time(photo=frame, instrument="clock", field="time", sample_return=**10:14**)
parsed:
**4:52**
